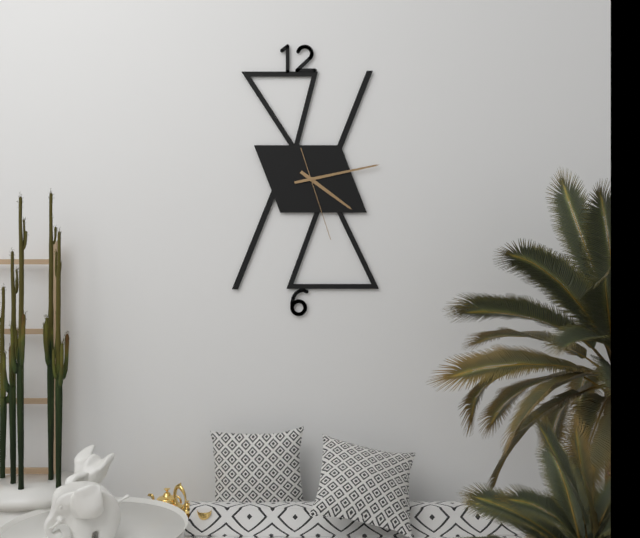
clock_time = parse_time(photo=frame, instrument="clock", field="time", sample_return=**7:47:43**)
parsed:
**4:13:27**
